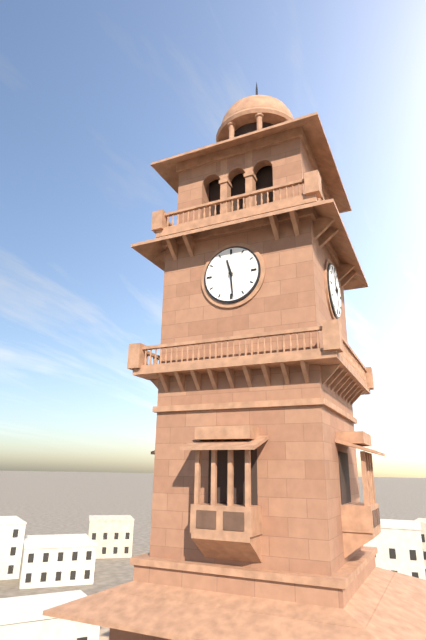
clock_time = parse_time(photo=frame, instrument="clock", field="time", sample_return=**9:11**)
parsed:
**11:29**
